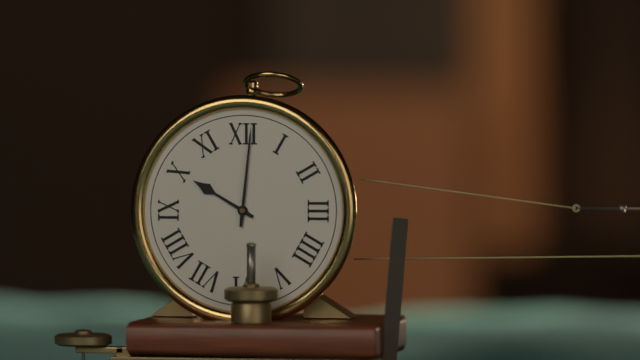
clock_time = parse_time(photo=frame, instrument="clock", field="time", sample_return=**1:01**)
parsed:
**10:01**
